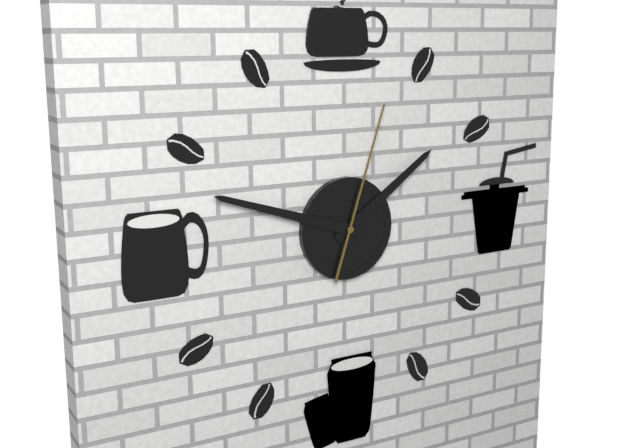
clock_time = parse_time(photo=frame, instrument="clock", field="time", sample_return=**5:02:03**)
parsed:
**1:48:03**
